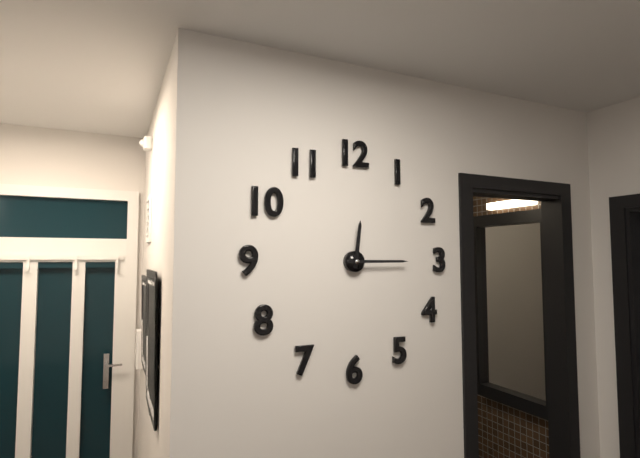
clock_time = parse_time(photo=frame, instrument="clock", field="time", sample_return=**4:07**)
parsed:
**12:15**
